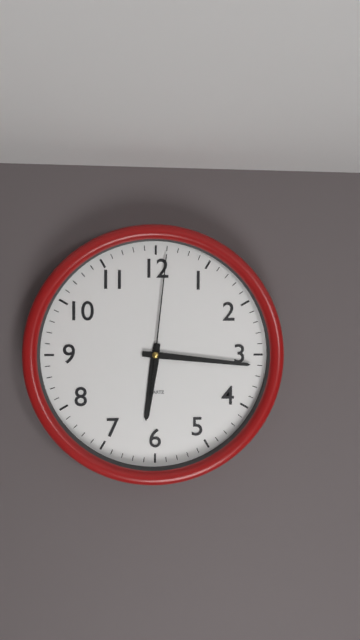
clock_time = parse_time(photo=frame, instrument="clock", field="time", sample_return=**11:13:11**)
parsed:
**6:16:01**
